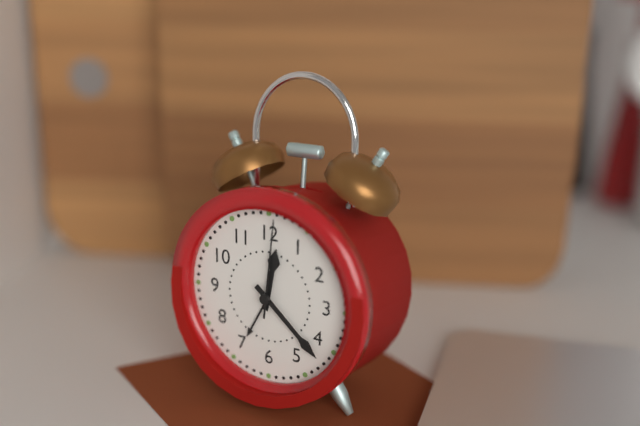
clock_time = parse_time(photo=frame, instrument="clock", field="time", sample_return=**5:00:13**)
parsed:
**12:22:01**
